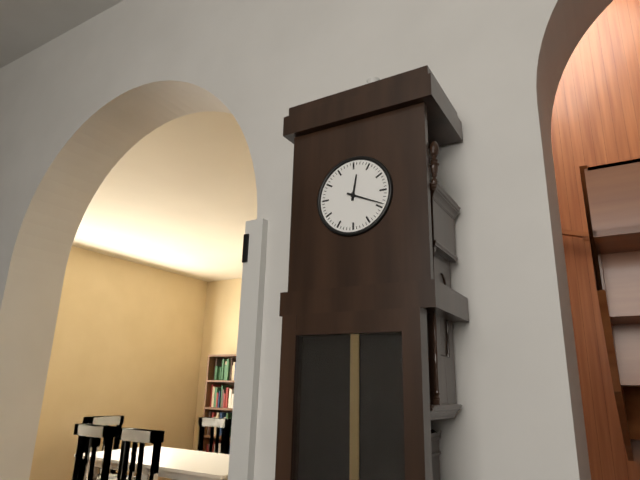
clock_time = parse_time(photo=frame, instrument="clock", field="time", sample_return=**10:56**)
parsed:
**12:19**
